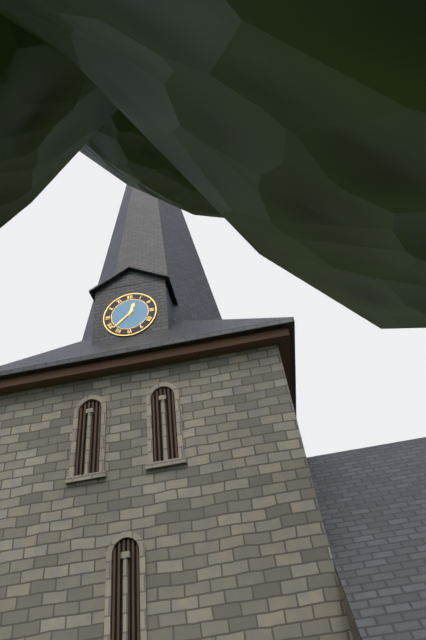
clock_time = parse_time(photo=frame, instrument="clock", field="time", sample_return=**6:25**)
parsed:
**12:38**
